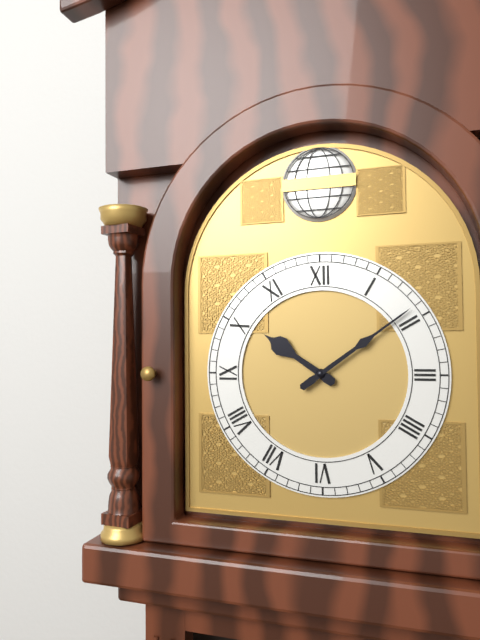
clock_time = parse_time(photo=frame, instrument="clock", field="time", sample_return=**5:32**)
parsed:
**10:09**
